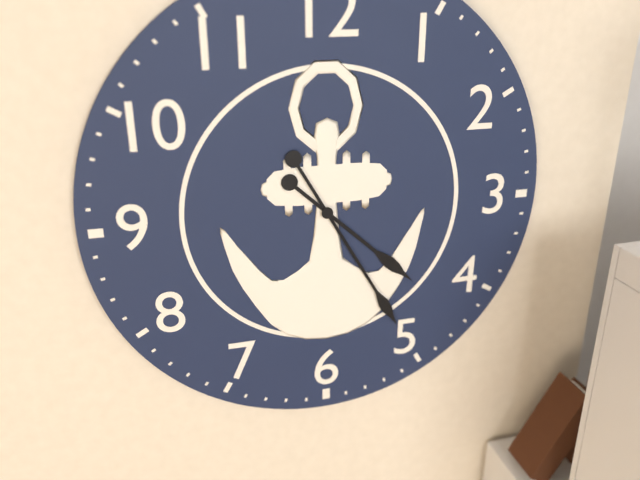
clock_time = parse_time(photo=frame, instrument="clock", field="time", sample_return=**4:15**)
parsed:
**4:25**
